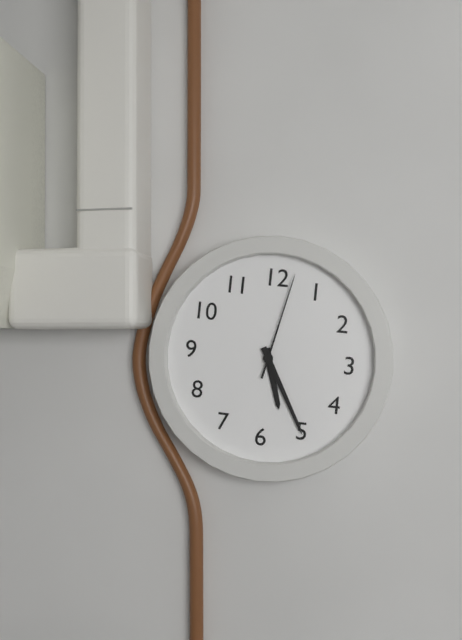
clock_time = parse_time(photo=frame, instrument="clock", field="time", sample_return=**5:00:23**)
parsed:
**5:25:02**
